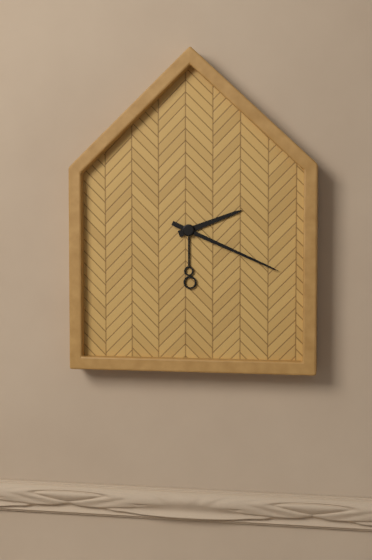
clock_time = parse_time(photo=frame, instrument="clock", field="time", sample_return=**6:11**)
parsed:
**2:19**
